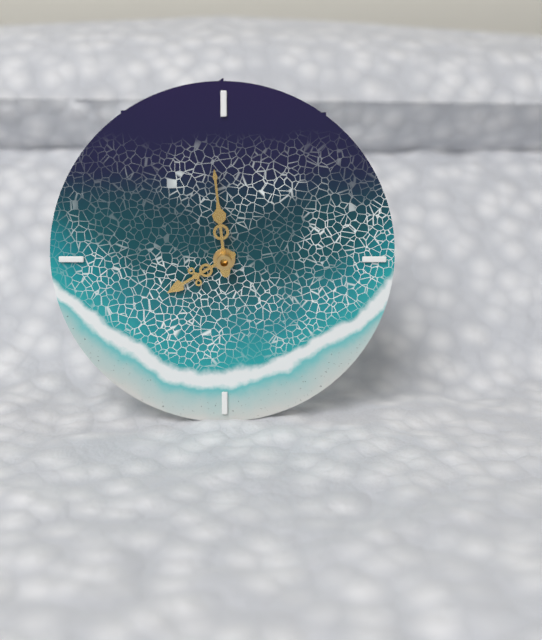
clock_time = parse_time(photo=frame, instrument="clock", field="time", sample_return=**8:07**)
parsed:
**7:59**
